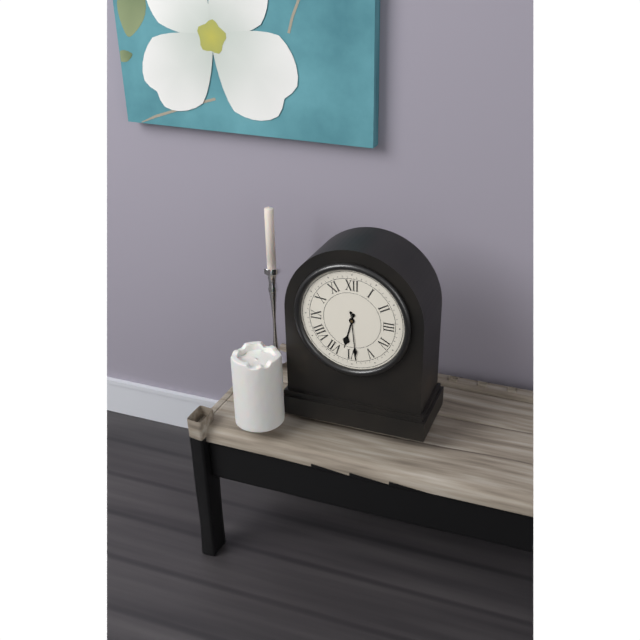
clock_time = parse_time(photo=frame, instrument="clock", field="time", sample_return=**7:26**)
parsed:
**6:29**
